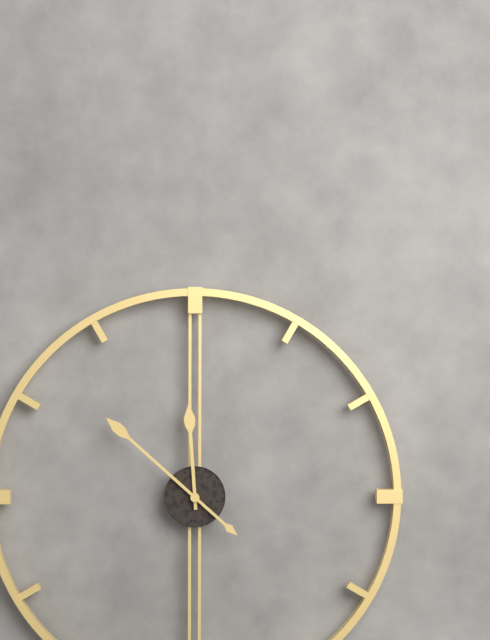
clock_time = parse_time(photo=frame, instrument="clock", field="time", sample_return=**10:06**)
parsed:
**11:52**
